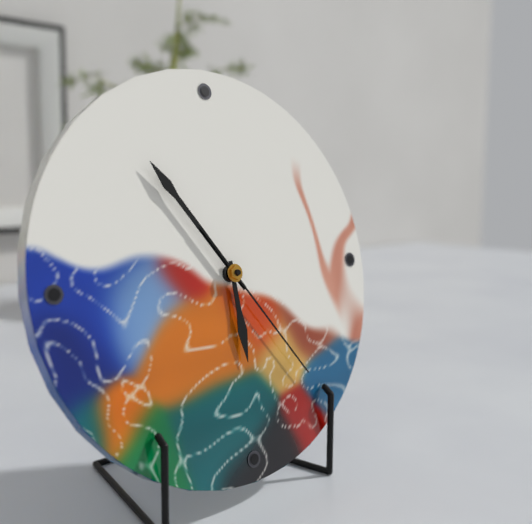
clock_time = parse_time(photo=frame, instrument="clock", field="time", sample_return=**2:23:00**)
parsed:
**5:54:24**
